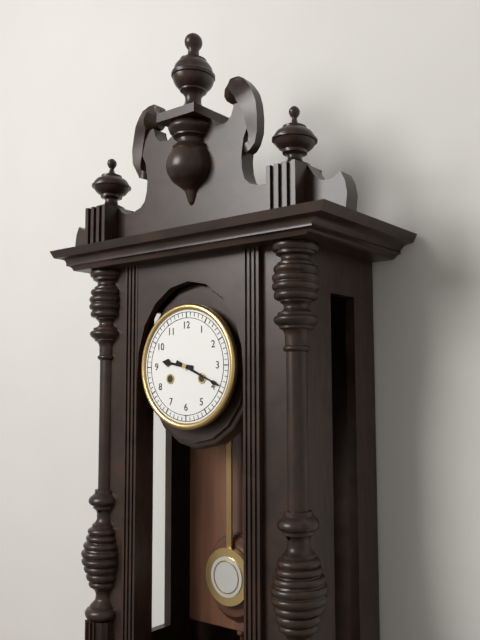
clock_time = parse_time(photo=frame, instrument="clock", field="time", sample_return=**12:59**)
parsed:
**9:19**
